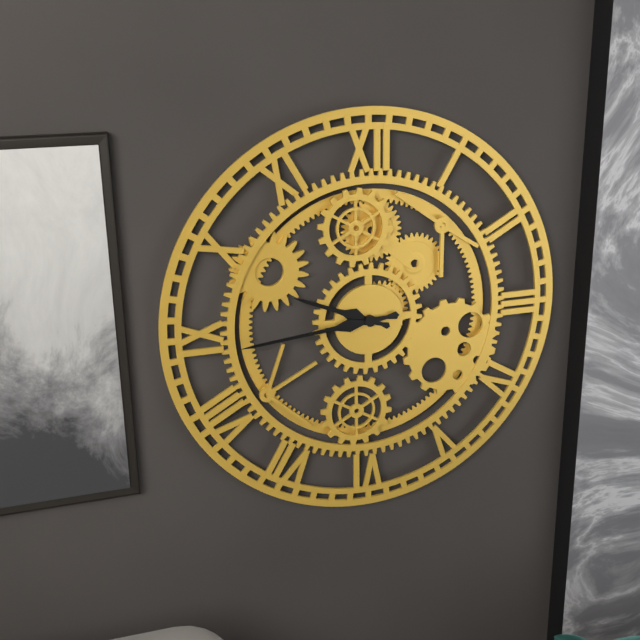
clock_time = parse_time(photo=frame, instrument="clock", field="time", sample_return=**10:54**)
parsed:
**9:44**
